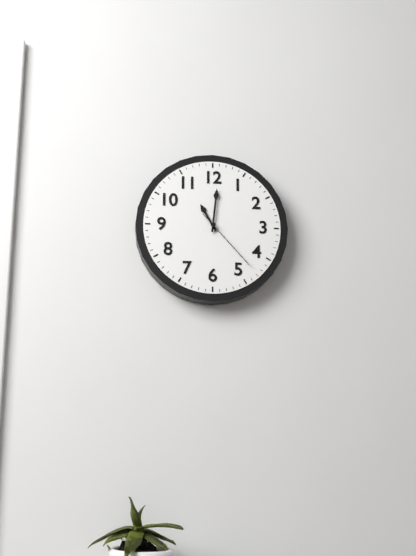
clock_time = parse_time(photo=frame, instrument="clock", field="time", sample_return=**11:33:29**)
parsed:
**11:01:23**
